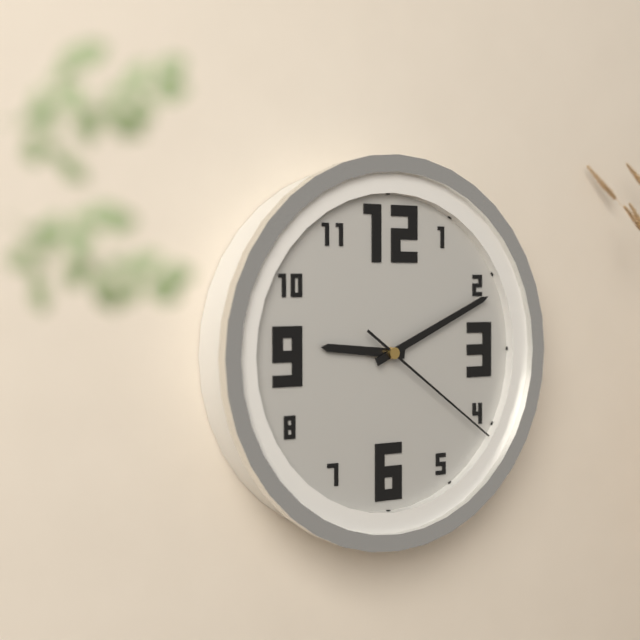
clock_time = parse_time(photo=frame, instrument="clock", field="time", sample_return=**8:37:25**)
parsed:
**9:11:21**
